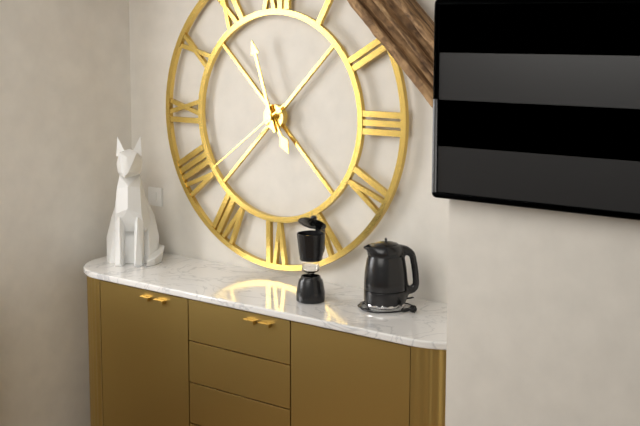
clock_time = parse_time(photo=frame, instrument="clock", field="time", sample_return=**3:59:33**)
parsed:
**4:57:39**
